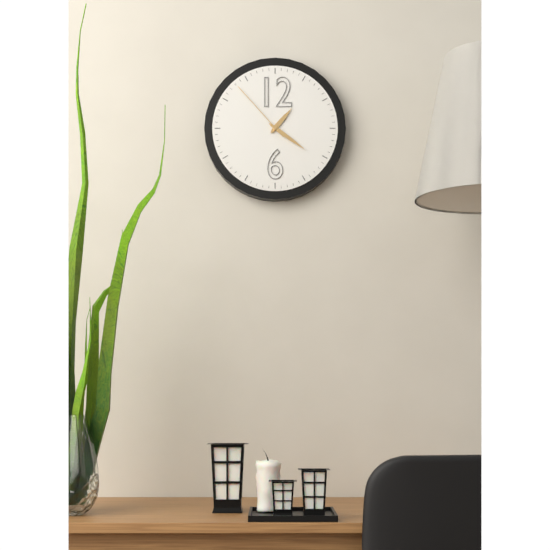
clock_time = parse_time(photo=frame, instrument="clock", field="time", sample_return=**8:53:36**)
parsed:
**1:21:53**
